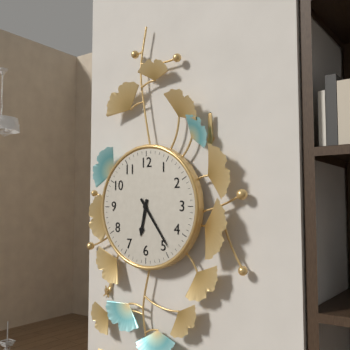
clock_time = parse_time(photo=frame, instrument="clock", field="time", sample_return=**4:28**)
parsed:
**6:24**
